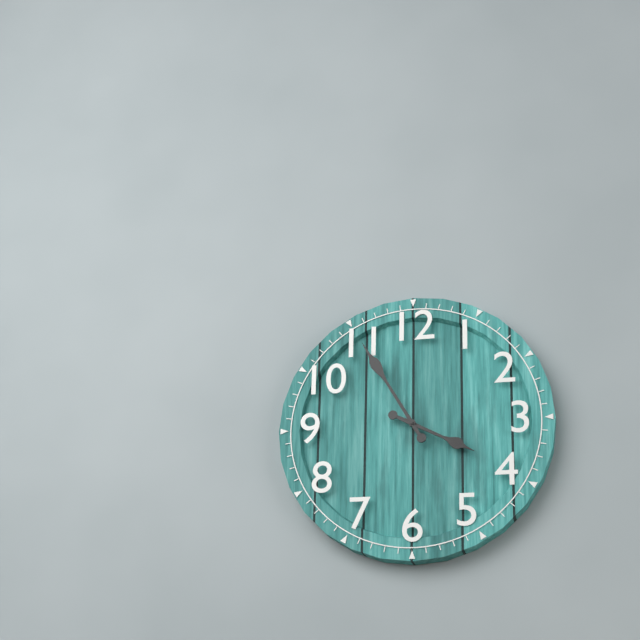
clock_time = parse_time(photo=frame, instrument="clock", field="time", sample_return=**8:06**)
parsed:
**3:55**
